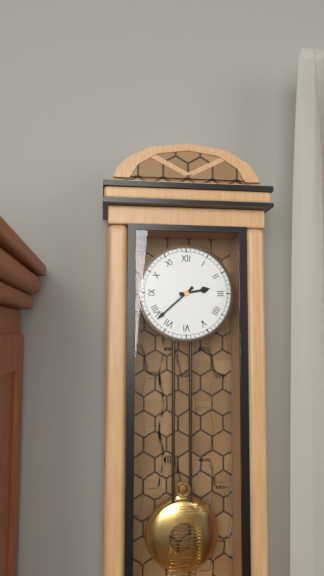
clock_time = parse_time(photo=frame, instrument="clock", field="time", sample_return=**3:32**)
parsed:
**2:38**
